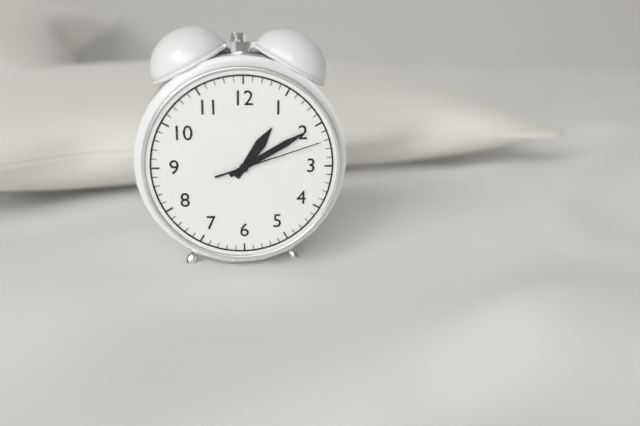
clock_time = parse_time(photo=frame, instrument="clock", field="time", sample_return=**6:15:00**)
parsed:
**1:10:12**
